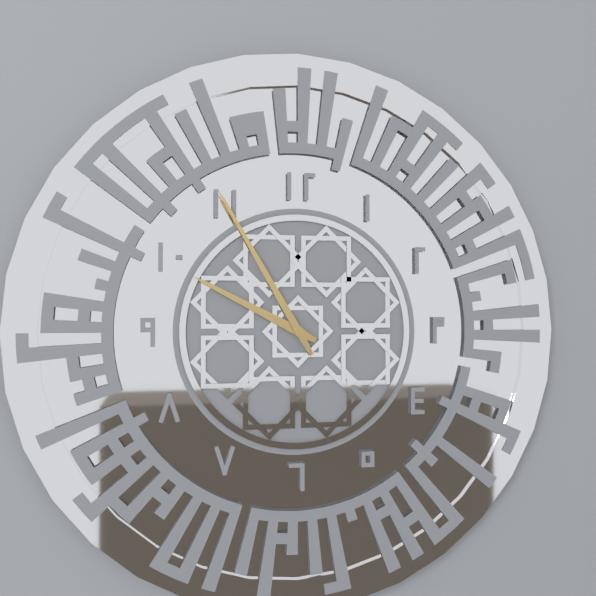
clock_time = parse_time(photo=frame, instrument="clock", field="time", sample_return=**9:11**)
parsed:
**9:55**
